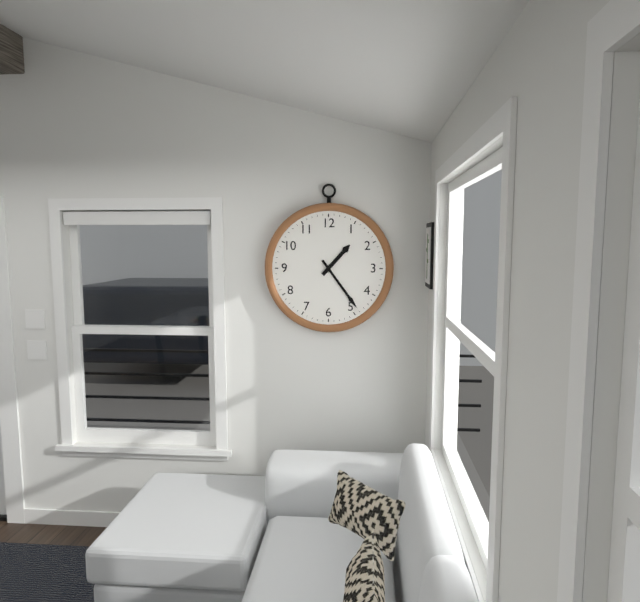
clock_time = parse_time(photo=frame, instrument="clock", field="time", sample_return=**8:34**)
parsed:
**1:24**
